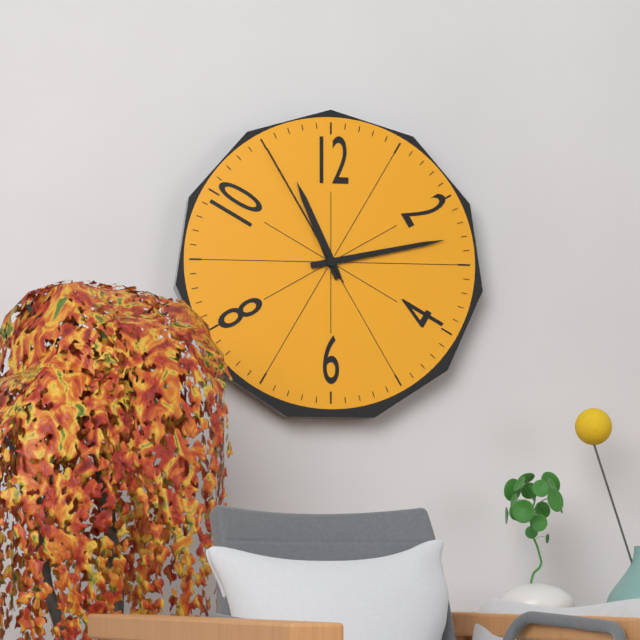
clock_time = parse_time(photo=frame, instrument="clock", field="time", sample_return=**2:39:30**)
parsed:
**11:13:55**
